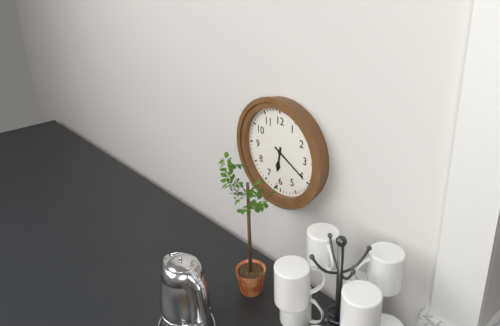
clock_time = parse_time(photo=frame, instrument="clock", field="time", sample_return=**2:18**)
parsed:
**6:20**
